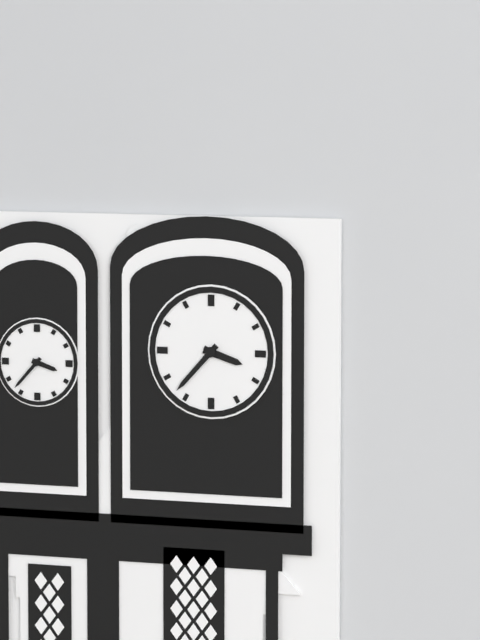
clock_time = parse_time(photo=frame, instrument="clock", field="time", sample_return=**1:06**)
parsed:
**3:37**
